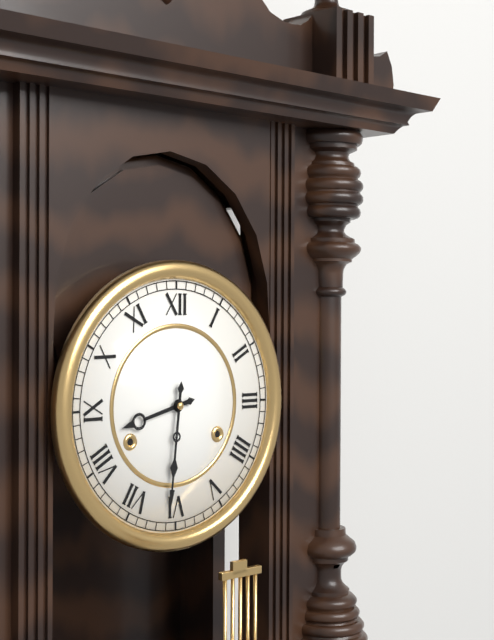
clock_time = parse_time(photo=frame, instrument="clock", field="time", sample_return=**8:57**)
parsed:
**8:31**
